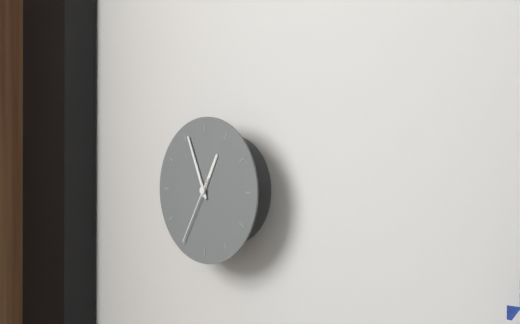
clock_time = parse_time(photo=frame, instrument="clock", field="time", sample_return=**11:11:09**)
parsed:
**12:56:35**
